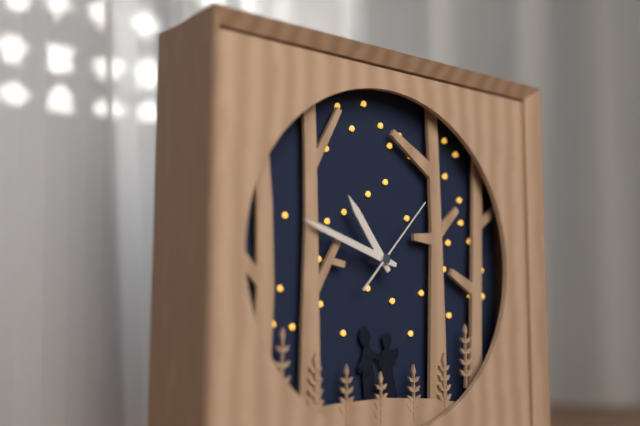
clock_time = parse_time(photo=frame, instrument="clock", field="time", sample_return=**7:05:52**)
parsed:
**10:48:07**
